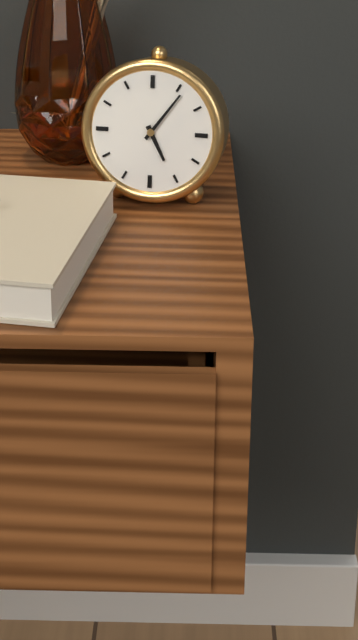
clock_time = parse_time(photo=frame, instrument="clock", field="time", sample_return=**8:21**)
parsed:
**5:06**
